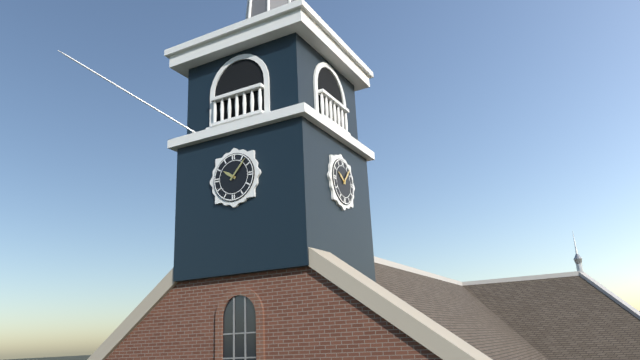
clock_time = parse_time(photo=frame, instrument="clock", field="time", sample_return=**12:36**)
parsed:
**10:07**
